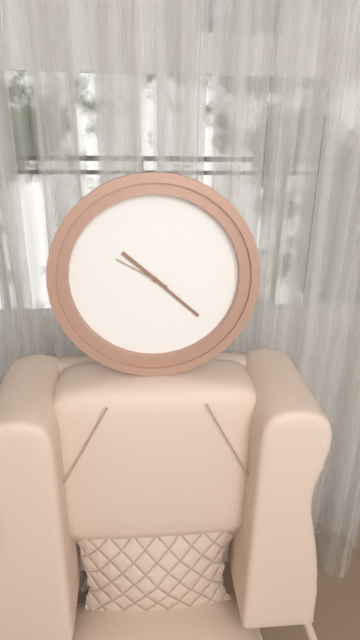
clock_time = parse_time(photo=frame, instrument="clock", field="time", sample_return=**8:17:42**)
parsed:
**10:22:50**
